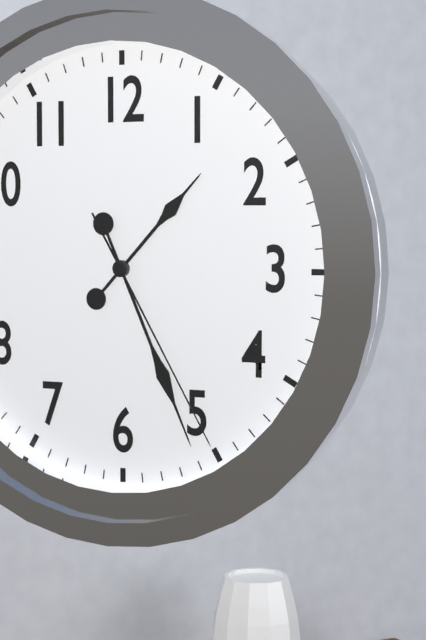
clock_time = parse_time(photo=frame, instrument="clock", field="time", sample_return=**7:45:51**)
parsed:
**1:26:25**
